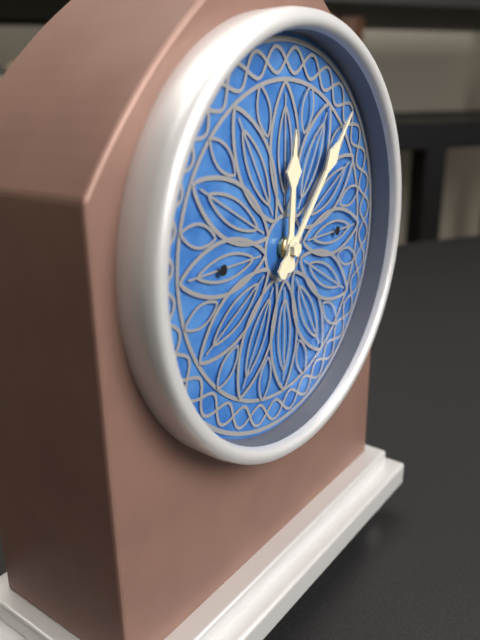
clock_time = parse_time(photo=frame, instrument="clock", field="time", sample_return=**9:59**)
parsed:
**12:07**
